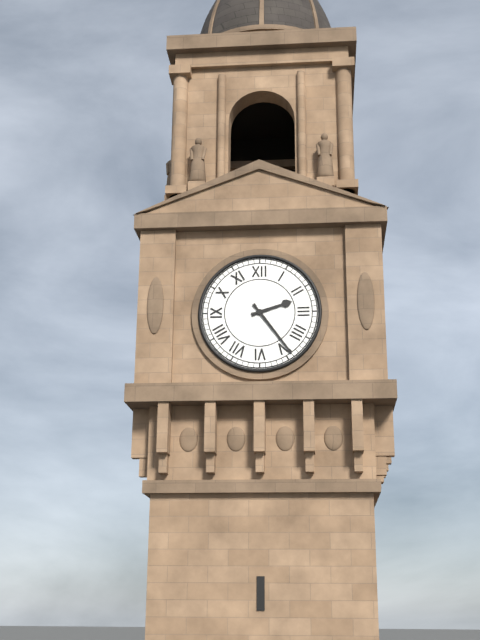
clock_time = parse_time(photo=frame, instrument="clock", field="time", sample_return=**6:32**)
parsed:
**2:24**
